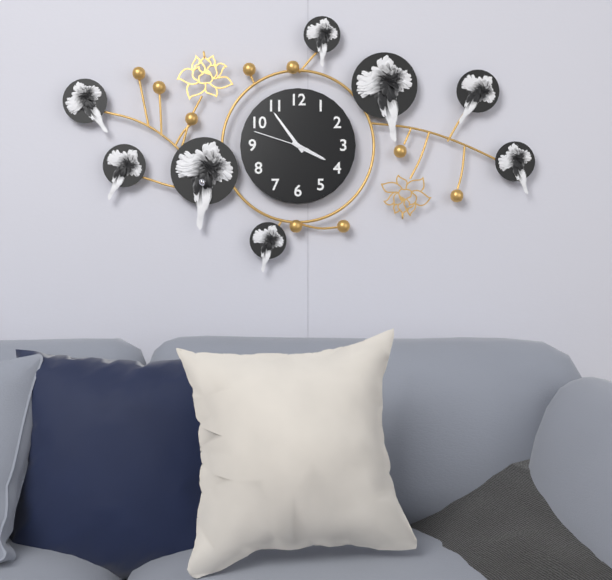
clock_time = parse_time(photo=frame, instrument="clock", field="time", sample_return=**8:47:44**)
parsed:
**3:54:48**
